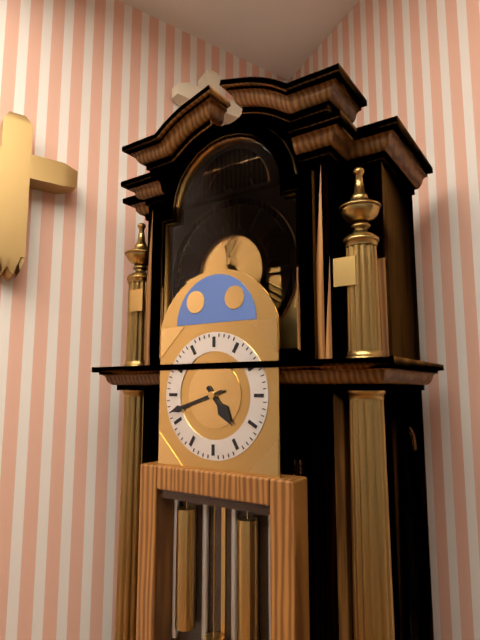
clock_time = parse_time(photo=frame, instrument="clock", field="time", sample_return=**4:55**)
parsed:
**4:42**
